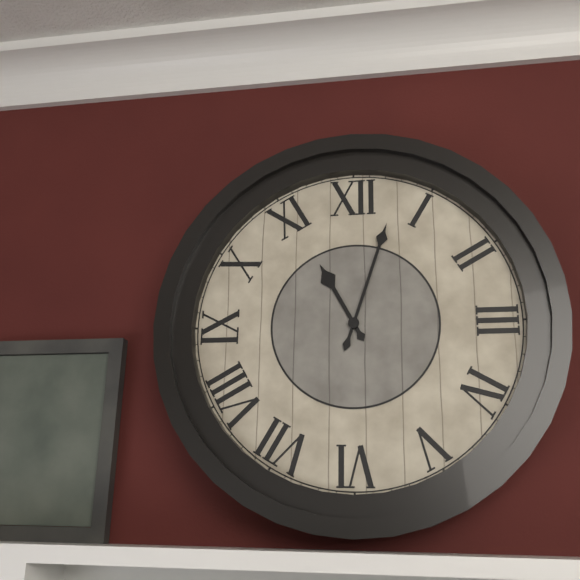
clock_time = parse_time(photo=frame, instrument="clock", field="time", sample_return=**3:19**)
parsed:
**11:03**
